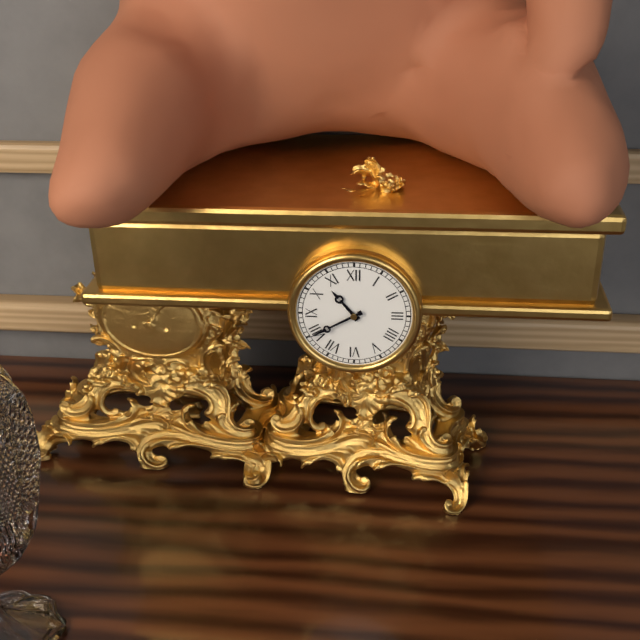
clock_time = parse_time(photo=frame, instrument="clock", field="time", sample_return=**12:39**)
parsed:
**10:40**
